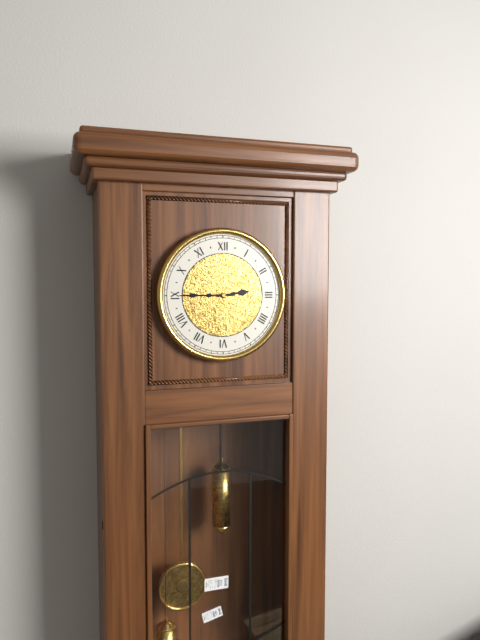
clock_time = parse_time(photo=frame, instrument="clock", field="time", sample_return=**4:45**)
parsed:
**2:45**
